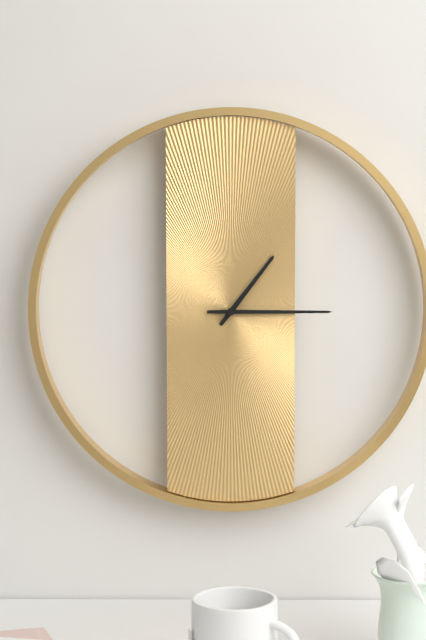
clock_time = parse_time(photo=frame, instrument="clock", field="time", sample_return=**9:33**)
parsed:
**1:15**
